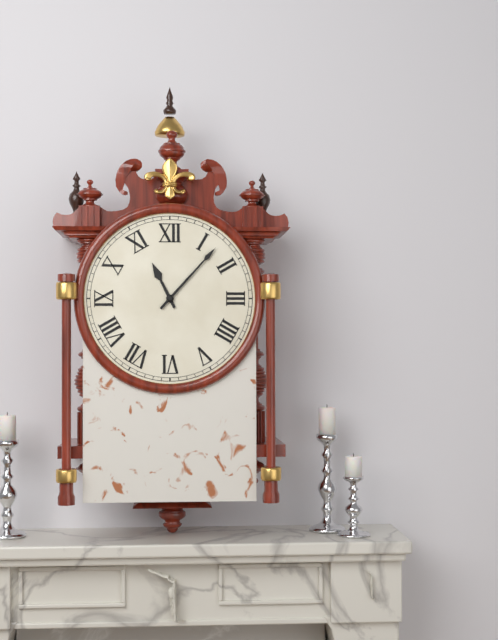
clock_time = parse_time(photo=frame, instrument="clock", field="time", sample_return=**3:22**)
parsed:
**11:07**
